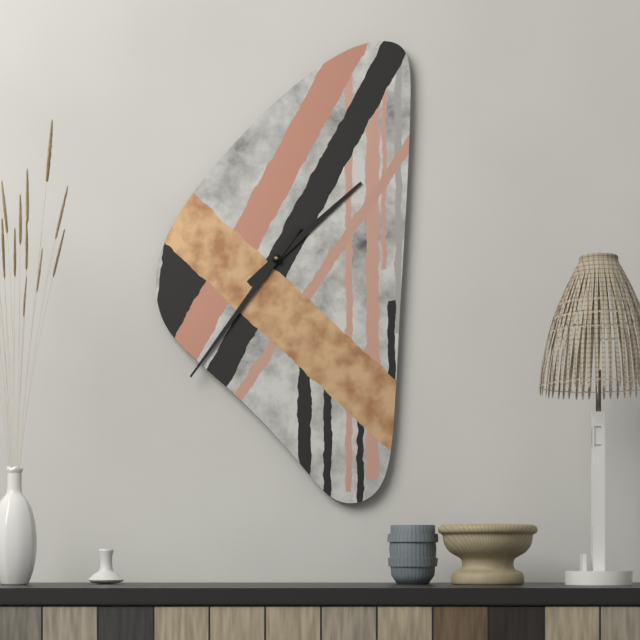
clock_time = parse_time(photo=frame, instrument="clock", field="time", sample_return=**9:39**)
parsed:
**1:36**
